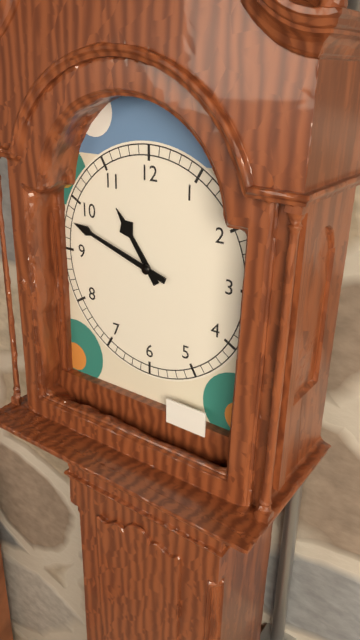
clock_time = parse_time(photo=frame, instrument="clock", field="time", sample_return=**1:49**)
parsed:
**10:48**
